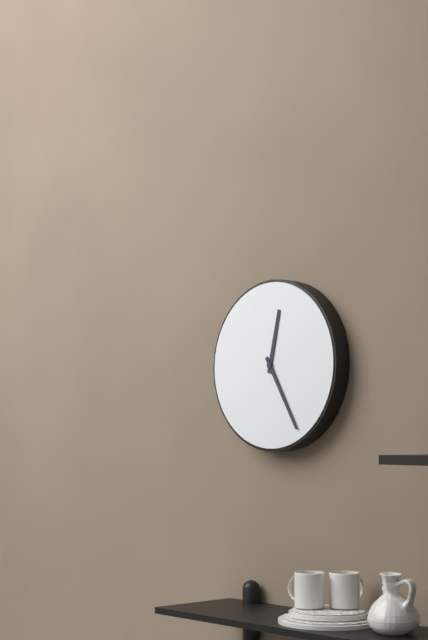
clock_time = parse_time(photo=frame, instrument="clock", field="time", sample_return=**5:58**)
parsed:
**12:25**
